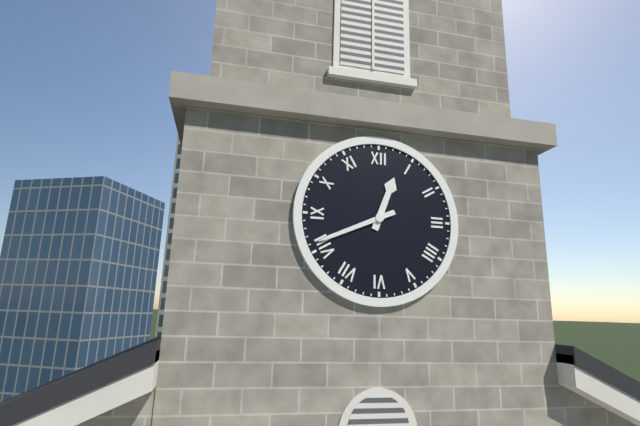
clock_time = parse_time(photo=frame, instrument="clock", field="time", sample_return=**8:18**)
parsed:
**12:41**
